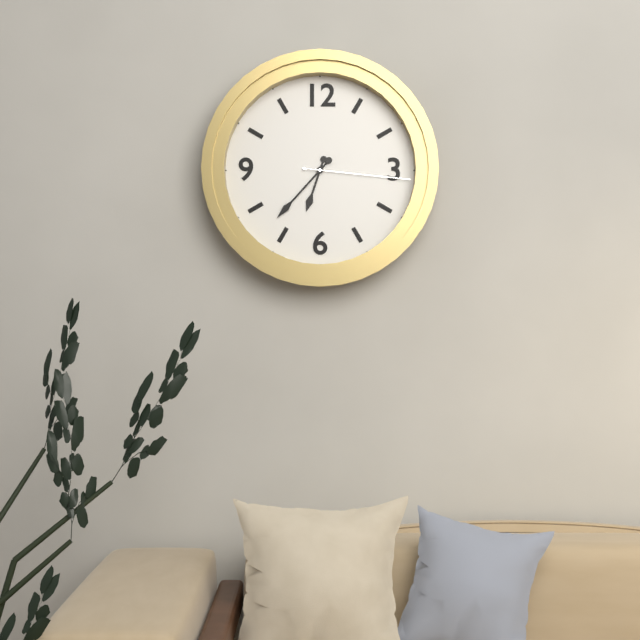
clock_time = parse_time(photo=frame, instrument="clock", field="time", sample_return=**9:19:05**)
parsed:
**6:37:16**
